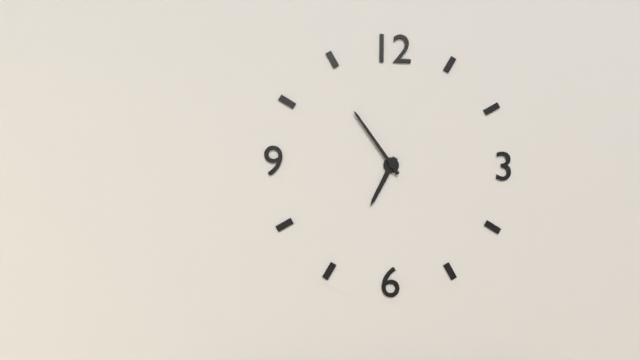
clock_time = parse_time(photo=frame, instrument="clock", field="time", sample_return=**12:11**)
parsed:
**6:54**
